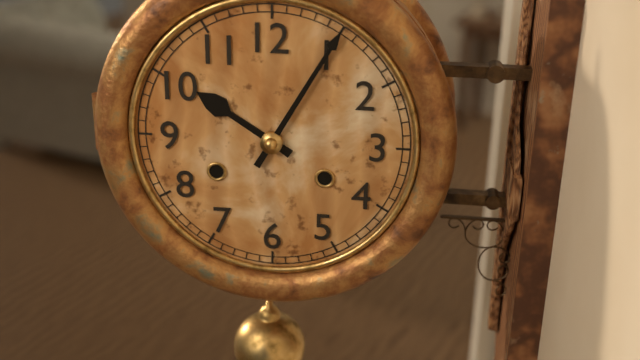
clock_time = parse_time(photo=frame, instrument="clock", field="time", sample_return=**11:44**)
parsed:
**10:05**
